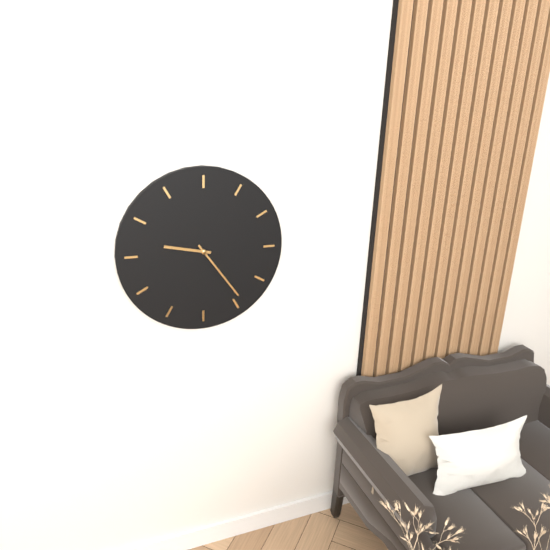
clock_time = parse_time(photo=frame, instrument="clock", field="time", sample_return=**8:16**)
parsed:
**9:24**
